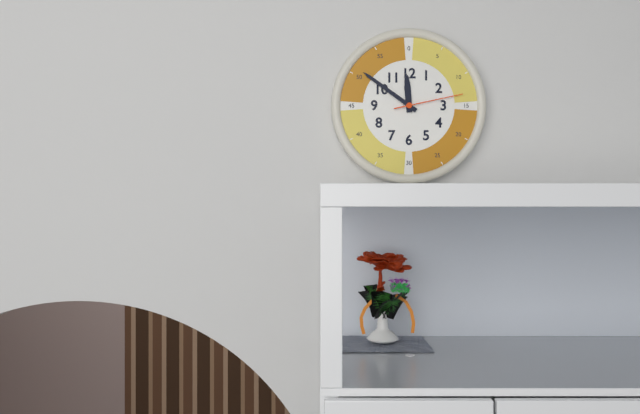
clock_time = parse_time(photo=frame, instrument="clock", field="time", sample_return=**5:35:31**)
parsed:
**11:51:13**
